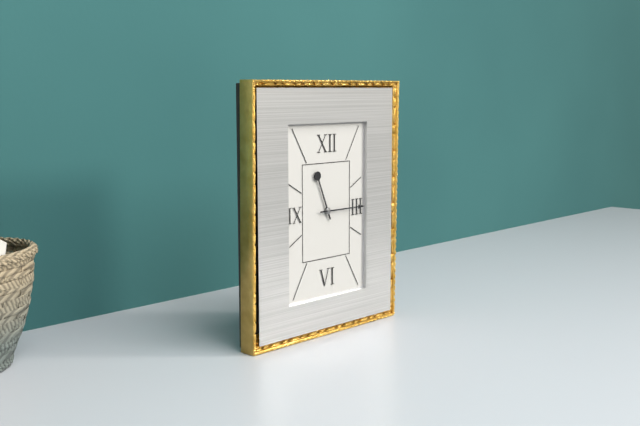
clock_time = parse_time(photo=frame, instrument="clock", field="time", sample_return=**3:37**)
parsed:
**11:15**
